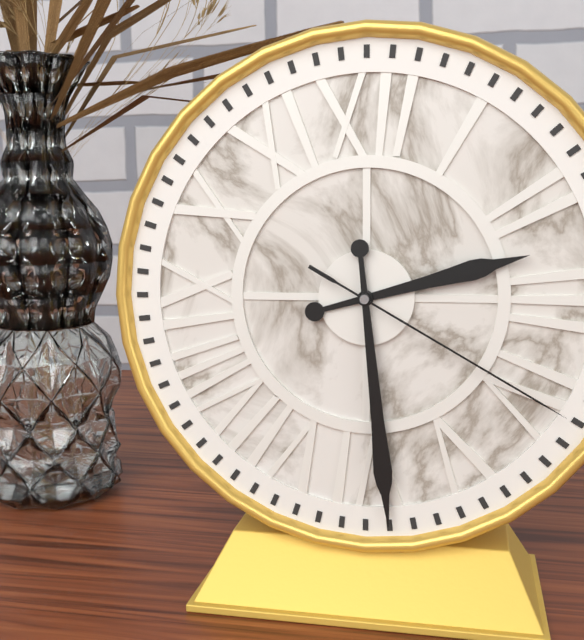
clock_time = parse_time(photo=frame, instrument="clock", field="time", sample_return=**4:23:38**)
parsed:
**2:29:20**
